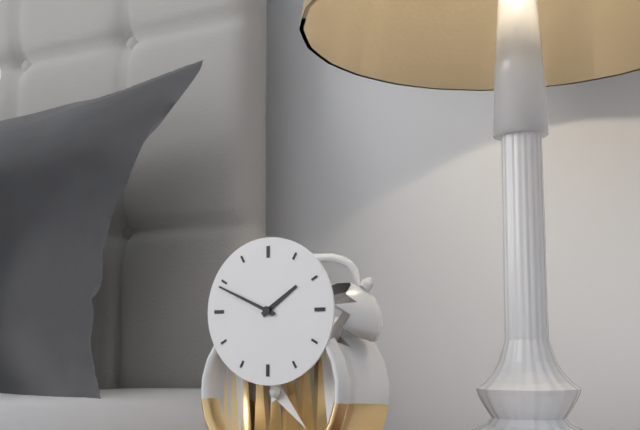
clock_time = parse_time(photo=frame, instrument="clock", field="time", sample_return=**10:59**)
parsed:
**1:49**
